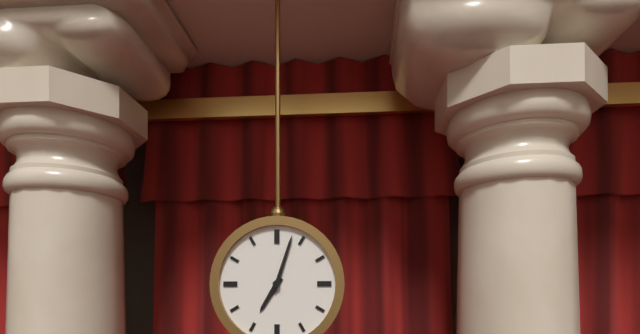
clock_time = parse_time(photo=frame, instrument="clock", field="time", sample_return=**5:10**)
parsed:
**7:03**
